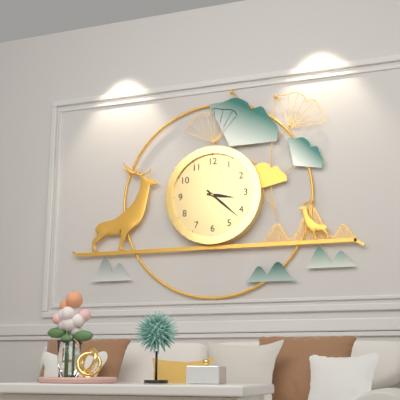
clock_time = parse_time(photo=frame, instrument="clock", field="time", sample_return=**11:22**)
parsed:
**3:22**
